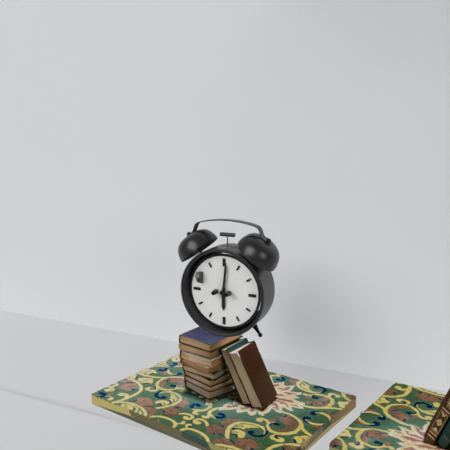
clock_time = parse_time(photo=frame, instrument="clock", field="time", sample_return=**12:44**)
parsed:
**6:01**
